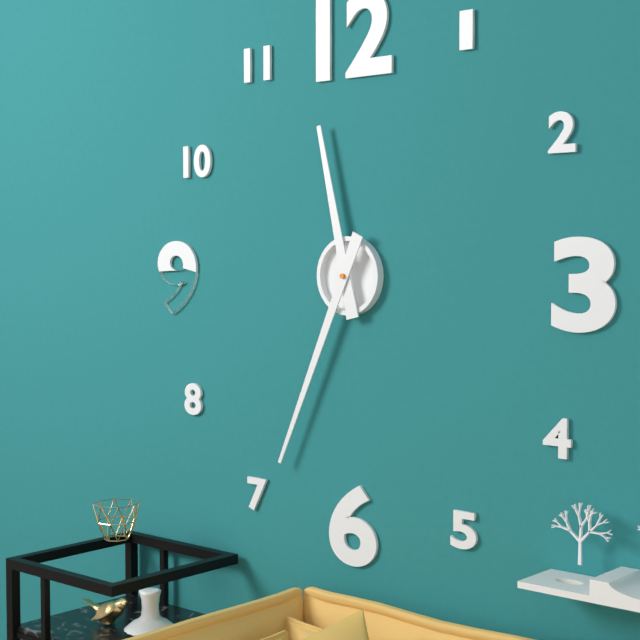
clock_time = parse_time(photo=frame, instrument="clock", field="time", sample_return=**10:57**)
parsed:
**11:34**
